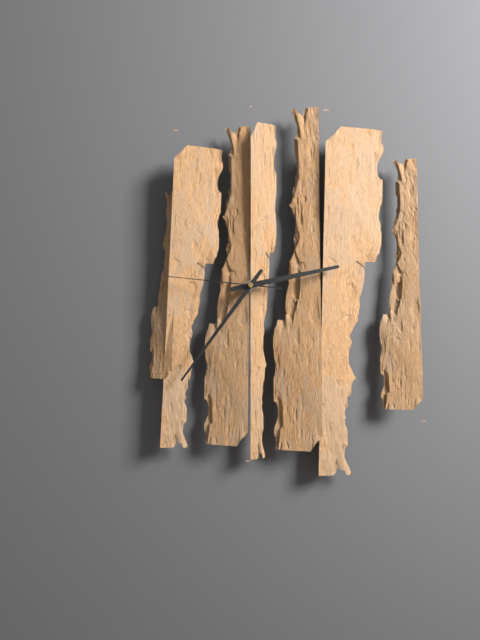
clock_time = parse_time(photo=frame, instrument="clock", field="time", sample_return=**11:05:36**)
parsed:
**2:36:46**
